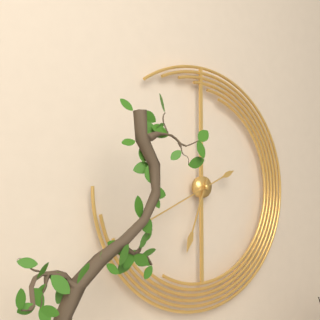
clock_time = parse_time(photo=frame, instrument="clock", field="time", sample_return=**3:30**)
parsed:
**6:41**
